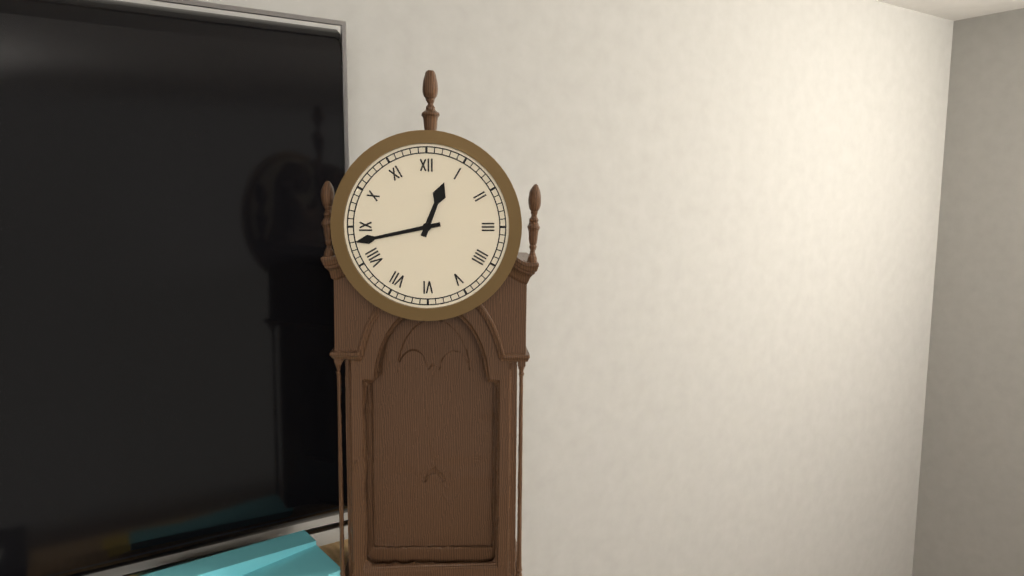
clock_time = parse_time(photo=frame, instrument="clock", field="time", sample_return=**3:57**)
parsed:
**12:43**
